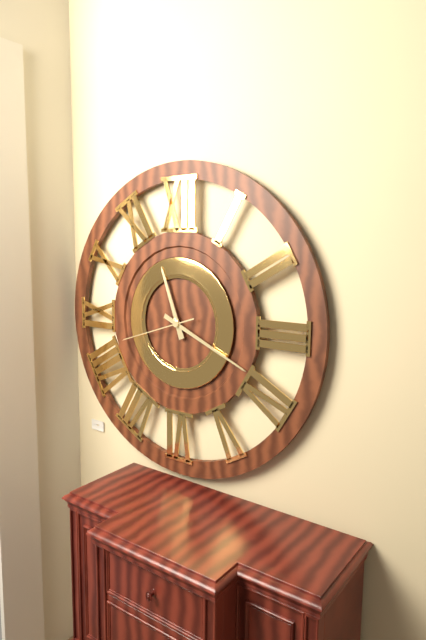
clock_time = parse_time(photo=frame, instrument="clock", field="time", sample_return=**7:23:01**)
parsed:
**11:19:42**
